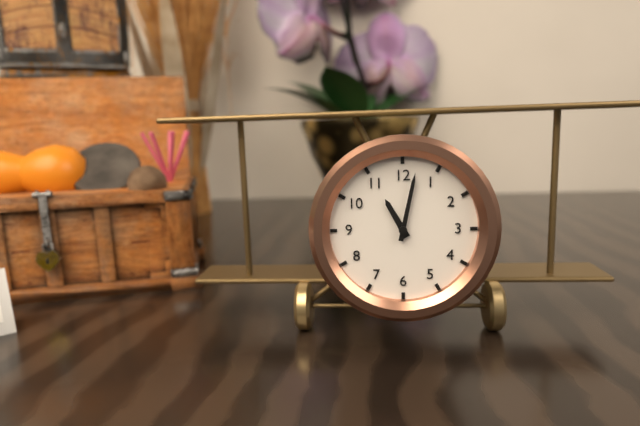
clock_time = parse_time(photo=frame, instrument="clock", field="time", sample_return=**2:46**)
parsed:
**11:02**
